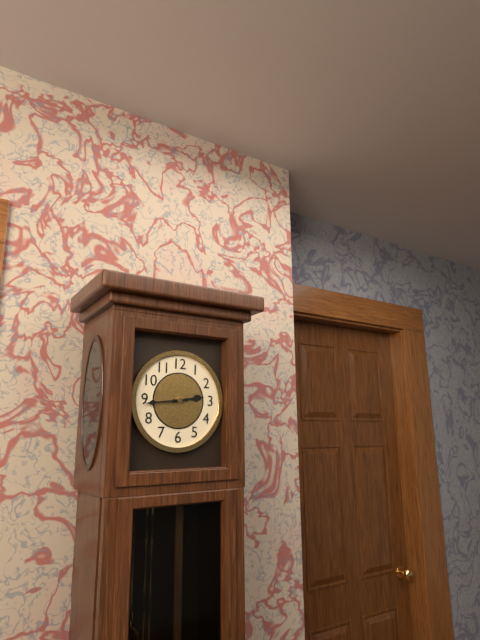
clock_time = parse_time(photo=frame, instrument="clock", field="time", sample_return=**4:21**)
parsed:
**2:44**
